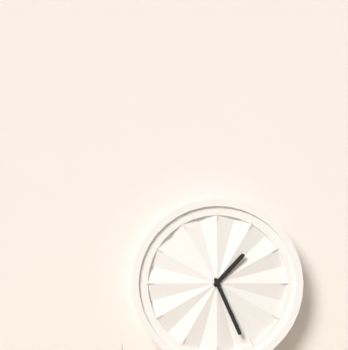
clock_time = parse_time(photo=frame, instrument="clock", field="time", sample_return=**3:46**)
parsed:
**1:26**
